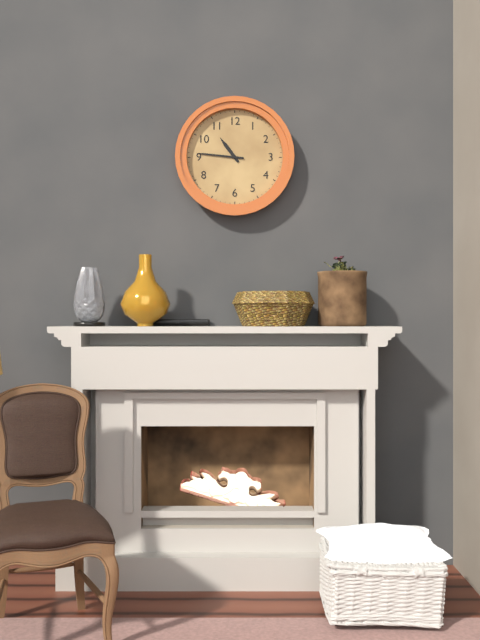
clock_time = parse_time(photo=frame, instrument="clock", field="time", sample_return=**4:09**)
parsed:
**10:46**
